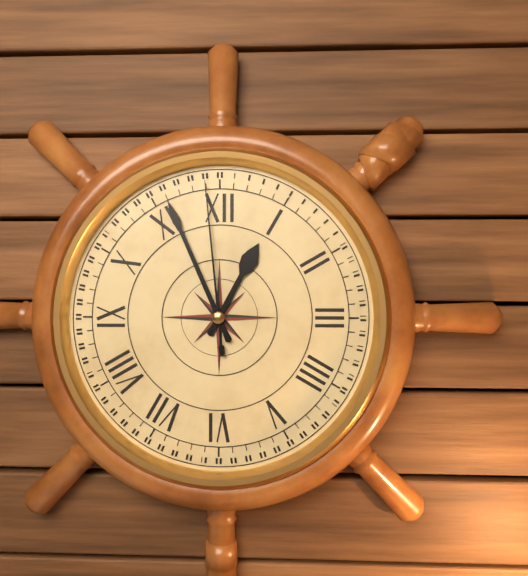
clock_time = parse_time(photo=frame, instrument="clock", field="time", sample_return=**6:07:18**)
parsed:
**12:56:59**
